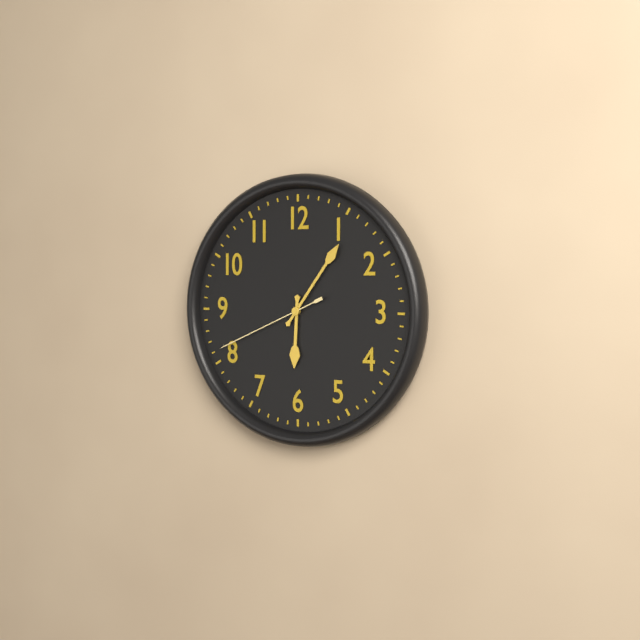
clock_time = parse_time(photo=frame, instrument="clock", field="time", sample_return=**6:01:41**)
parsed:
**6:06:41**
